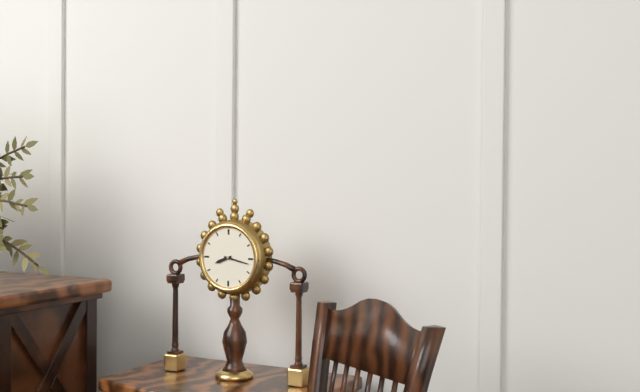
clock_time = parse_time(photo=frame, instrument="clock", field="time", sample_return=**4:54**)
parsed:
**8:17**
